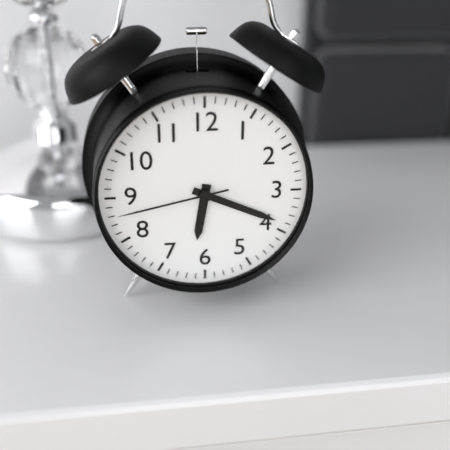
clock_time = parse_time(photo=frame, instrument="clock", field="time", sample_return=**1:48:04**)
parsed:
**6:19:43**
